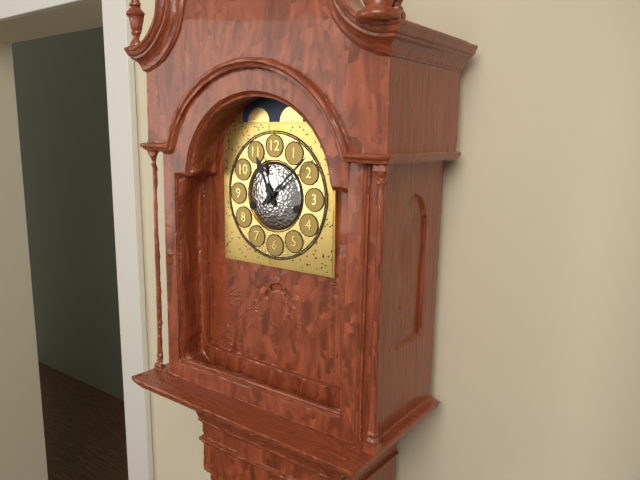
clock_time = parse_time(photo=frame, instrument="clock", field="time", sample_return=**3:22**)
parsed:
**11:08**
